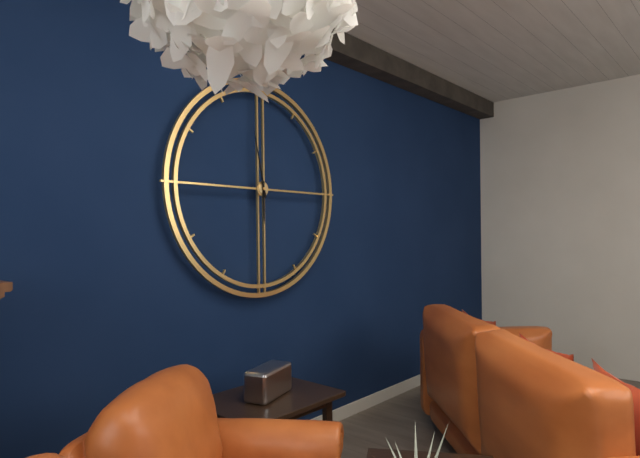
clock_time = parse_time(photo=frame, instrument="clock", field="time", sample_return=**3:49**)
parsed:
**5:58**
